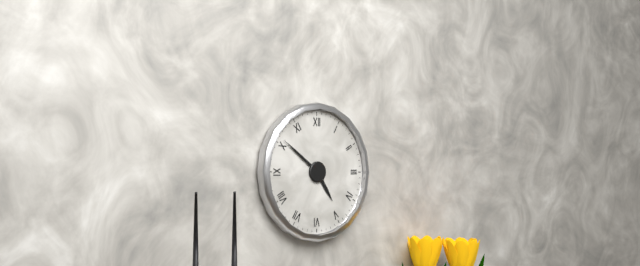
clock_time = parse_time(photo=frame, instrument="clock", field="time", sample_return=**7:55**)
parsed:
**4:51**
